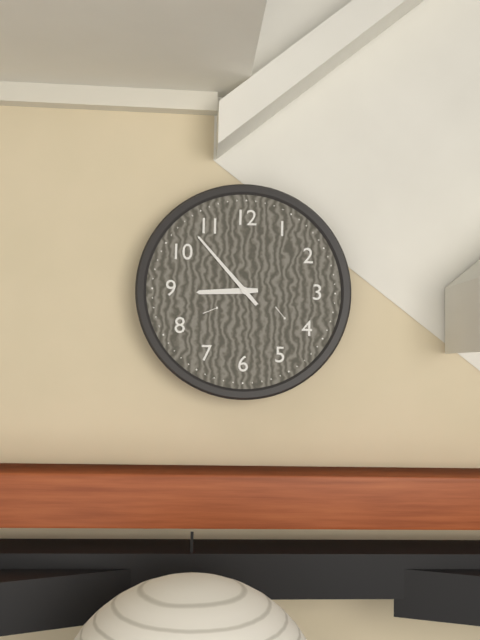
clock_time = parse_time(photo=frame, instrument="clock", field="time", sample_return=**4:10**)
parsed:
**8:53**
